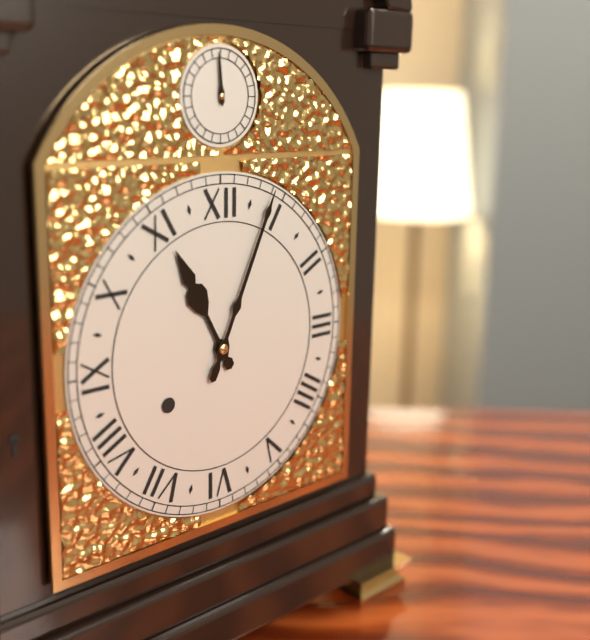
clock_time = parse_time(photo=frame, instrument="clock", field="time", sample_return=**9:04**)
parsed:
**11:04**
